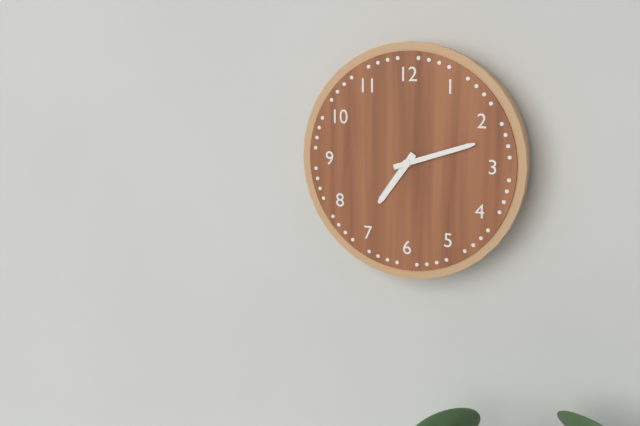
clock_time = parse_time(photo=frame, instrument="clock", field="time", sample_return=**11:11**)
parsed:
**7:12**
